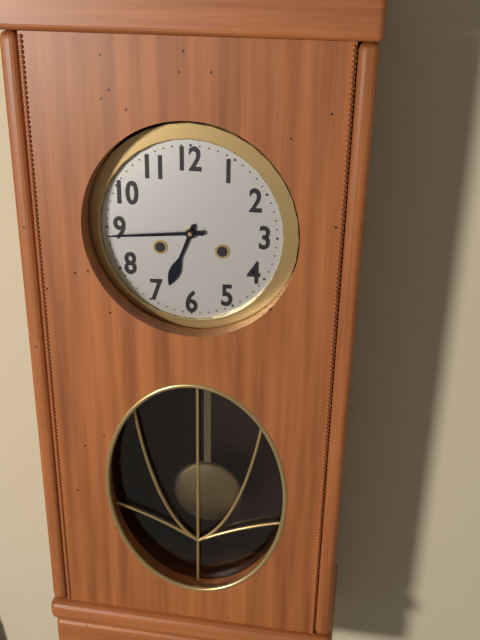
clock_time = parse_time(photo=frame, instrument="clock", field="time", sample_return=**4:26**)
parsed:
**6:44**
